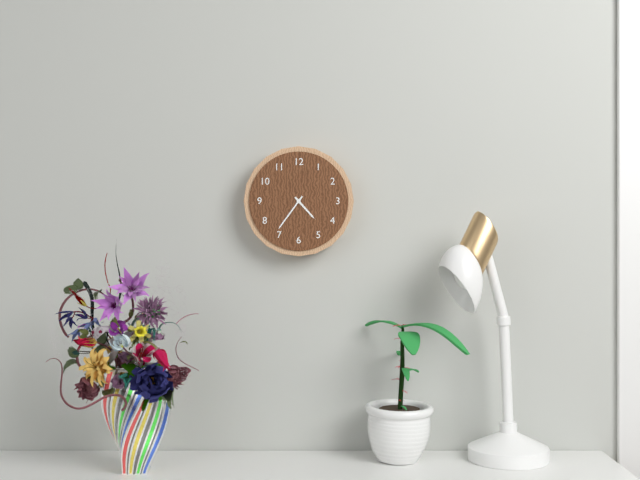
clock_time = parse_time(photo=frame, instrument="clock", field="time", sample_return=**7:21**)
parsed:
**4:36**
